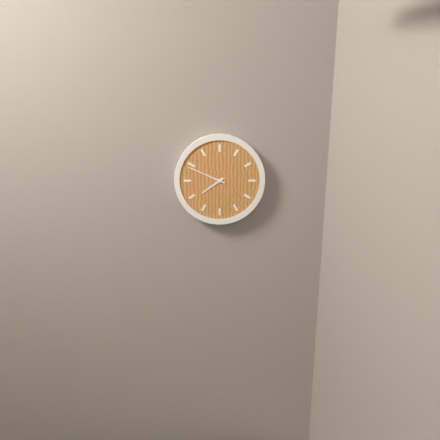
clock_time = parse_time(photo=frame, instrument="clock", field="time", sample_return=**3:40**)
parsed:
**7:49**
